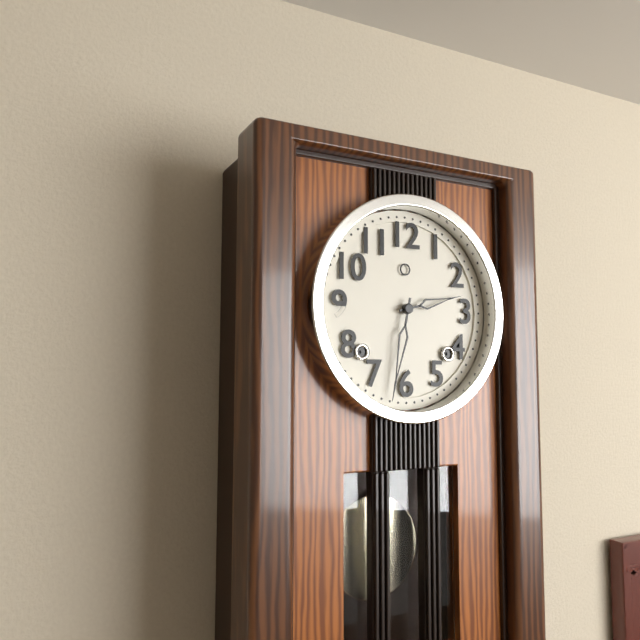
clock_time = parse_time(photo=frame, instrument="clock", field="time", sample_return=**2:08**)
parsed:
**2:32**
